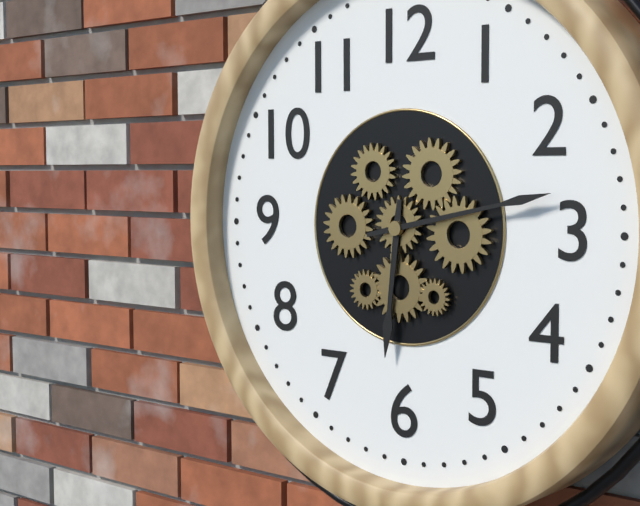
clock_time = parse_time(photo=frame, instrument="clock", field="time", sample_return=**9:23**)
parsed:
**6:13**
